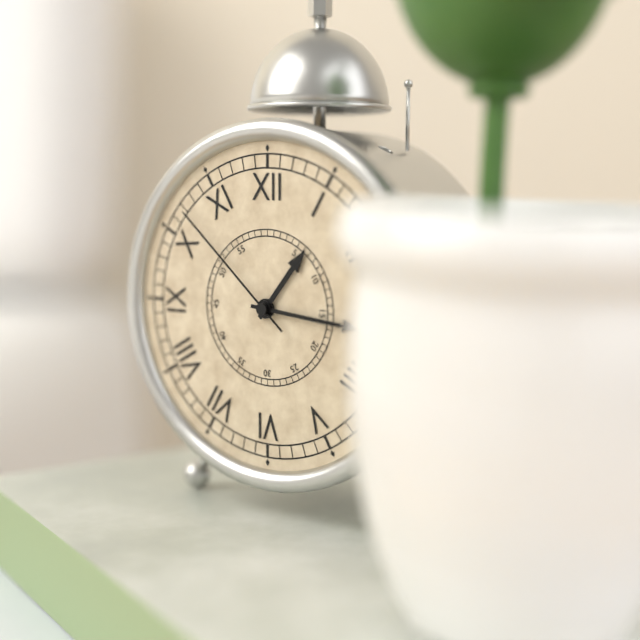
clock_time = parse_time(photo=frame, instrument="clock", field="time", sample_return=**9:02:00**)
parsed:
**1:16:52**
